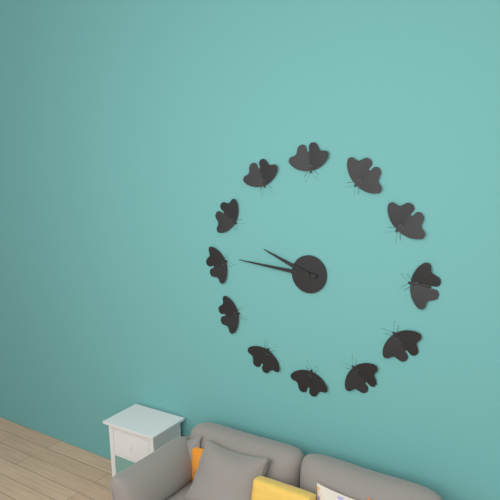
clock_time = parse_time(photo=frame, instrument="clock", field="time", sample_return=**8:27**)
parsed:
**9:46**
